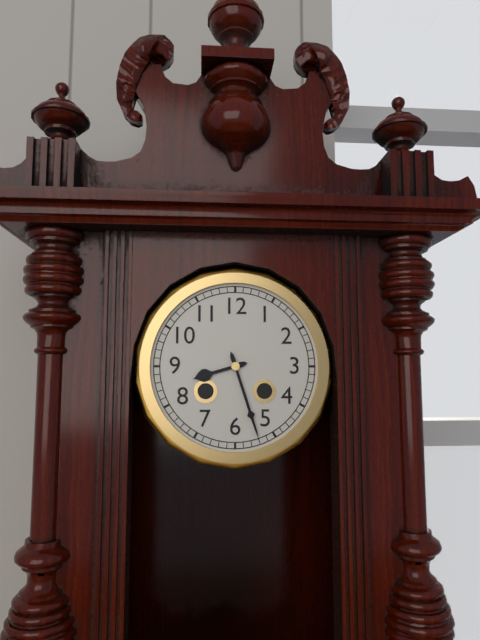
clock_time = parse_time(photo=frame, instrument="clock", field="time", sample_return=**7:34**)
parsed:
**8:27**
